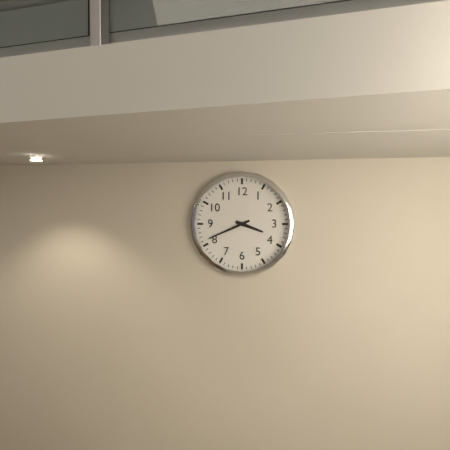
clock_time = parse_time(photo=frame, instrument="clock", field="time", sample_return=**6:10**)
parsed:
**3:41**
